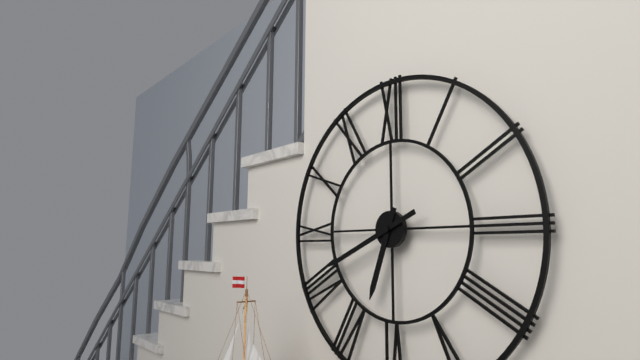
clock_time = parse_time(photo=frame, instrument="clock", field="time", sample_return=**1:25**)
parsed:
**6:41**
